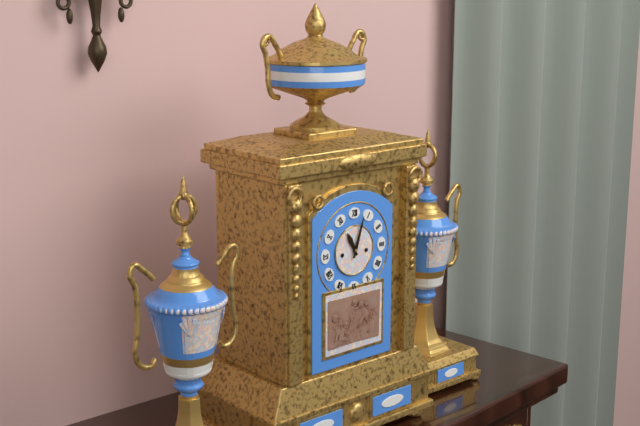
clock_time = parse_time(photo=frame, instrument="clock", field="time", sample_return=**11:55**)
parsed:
**11:03**
